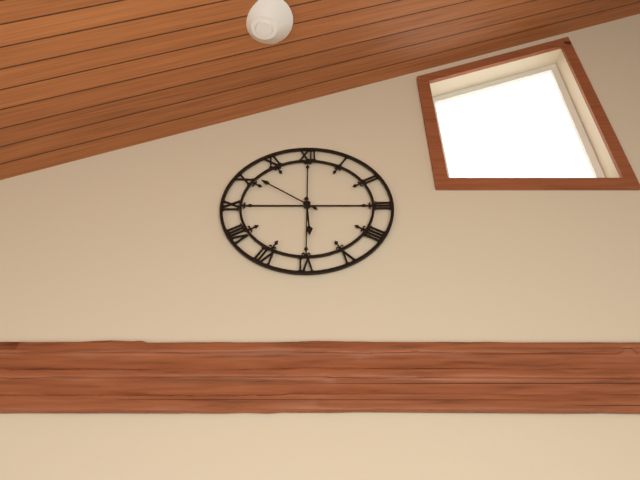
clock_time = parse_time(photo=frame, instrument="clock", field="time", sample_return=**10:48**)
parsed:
**5:51**
